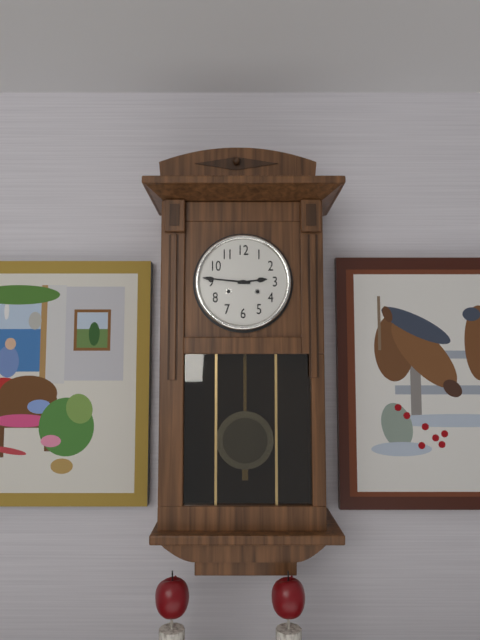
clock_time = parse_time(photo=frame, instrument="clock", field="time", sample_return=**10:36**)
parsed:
**2:46**
